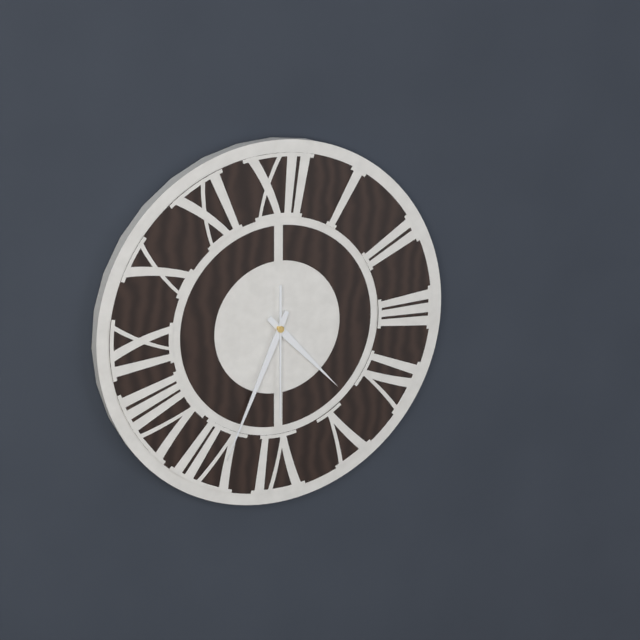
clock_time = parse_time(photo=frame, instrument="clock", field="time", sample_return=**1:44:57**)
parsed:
**4:34:30**
